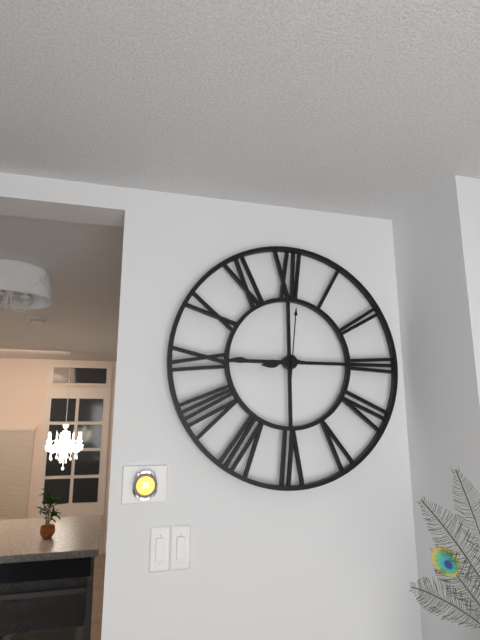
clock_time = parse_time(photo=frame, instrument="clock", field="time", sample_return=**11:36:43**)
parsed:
**8:45:01**
